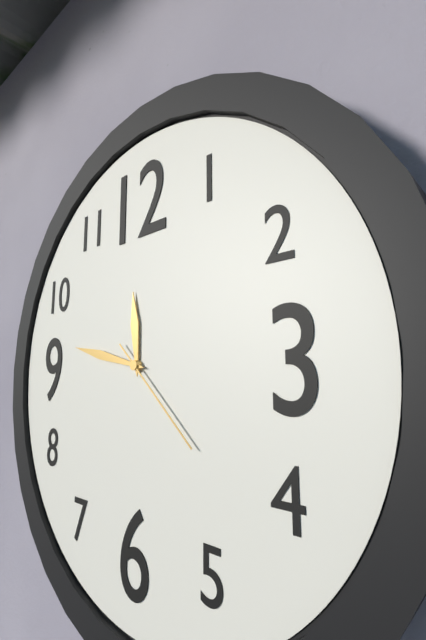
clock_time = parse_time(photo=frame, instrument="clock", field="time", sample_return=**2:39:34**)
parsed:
**11:47:22**
